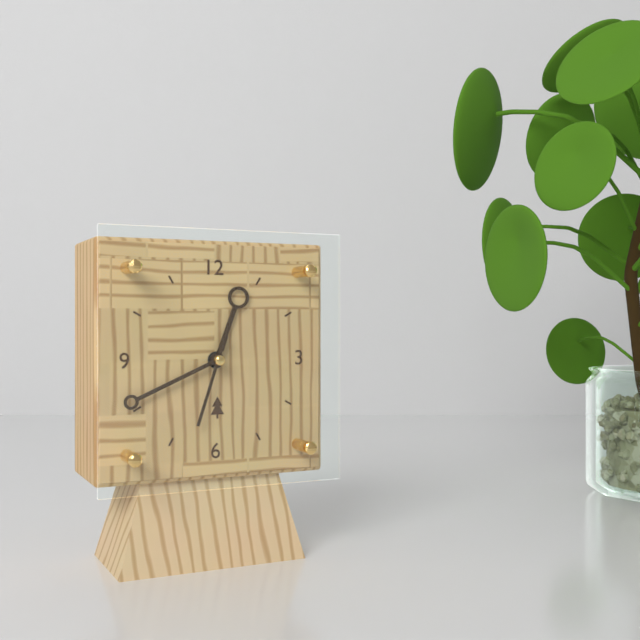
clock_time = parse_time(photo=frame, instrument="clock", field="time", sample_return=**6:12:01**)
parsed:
**12:41:33**
